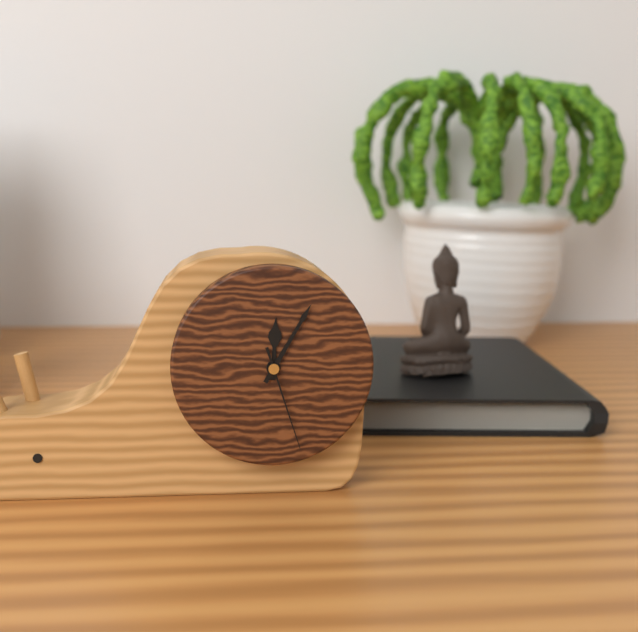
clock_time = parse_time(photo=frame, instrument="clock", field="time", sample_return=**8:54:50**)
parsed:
**12:05:27**
